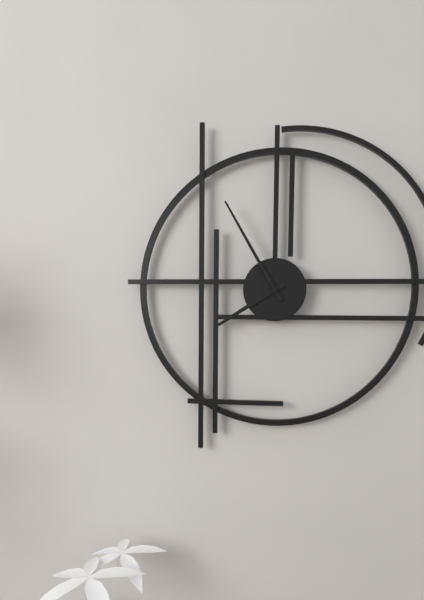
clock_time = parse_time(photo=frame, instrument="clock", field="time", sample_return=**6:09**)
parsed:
**7:55**
